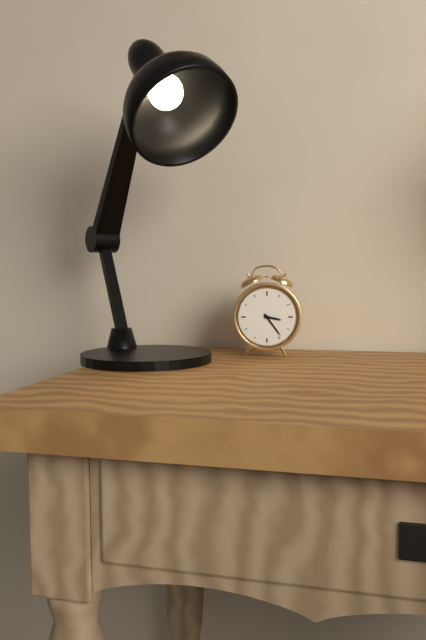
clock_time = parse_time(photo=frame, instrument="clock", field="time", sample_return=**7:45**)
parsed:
**3:24**
